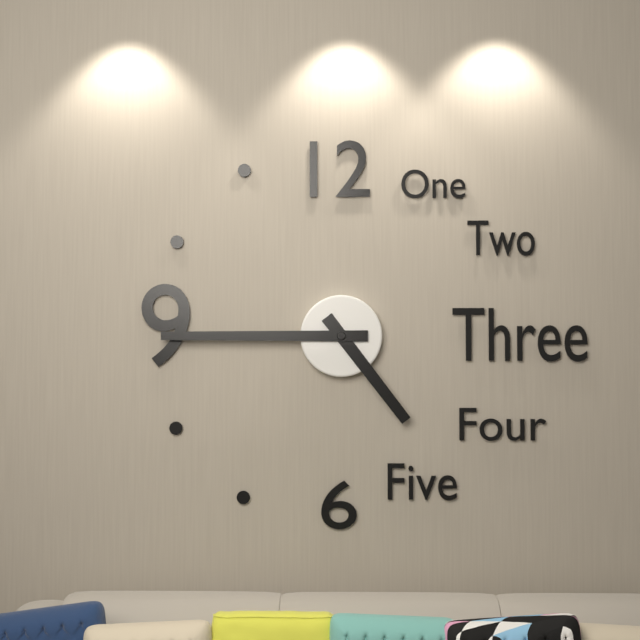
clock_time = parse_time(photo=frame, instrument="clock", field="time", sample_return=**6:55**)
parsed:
**4:45**
